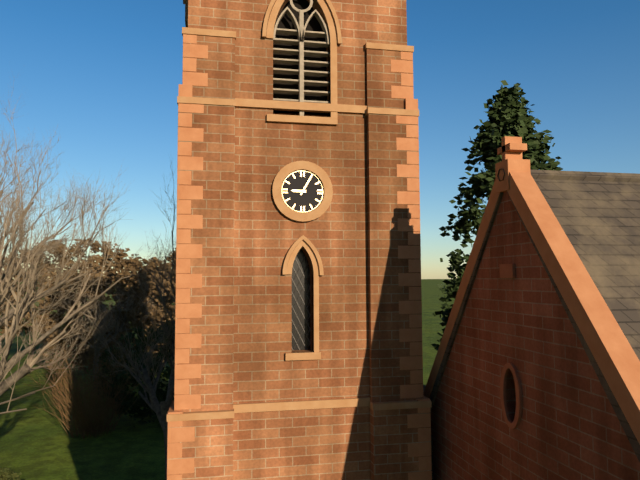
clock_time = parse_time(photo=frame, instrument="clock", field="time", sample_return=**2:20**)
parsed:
**9:05**
